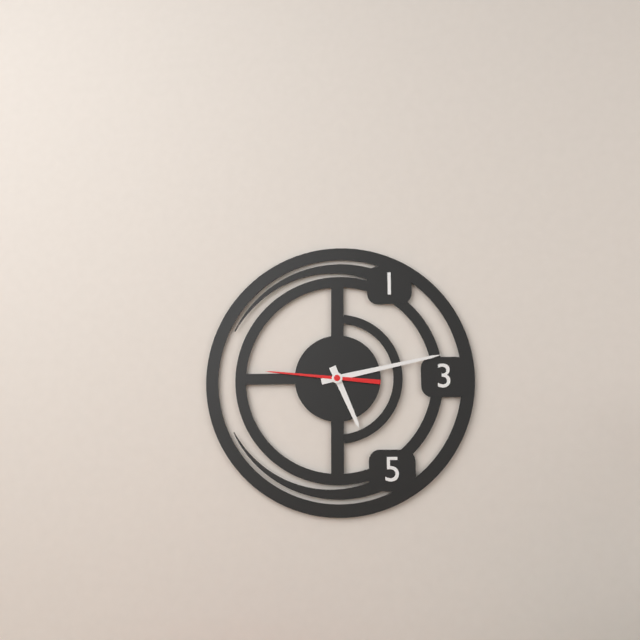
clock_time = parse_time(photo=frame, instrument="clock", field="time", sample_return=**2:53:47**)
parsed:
**5:13:46**
